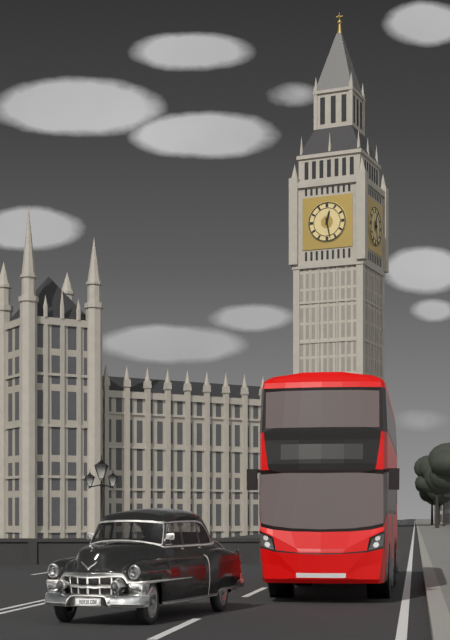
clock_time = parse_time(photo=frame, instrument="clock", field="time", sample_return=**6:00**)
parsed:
**12:28**
